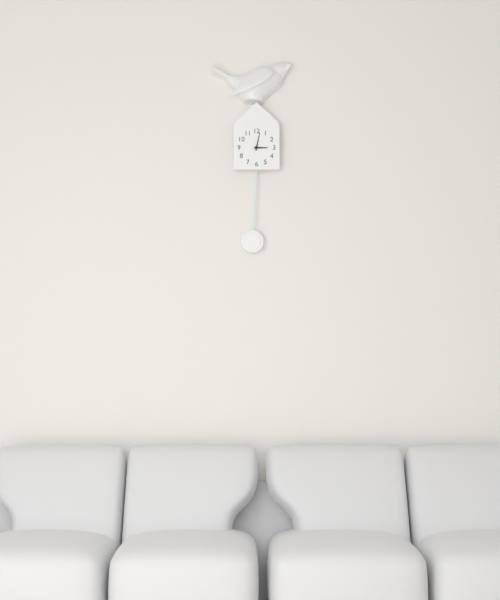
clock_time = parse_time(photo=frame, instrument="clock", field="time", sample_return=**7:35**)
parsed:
**3:02**
